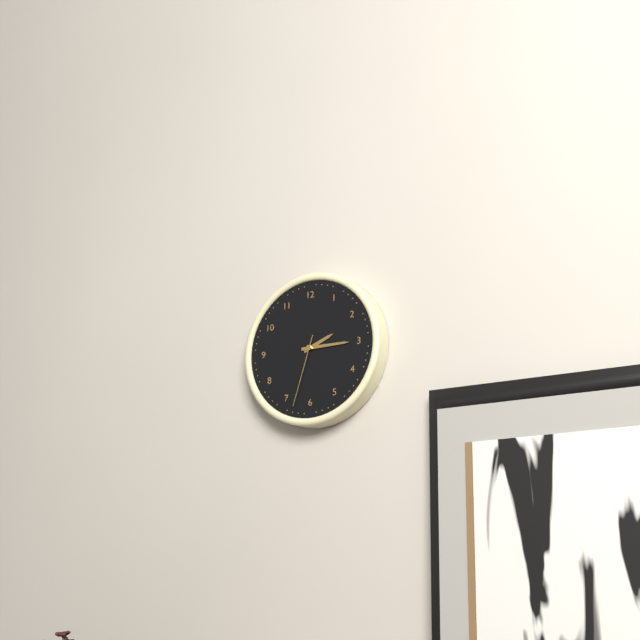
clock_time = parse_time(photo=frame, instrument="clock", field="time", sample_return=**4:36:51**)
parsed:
**2:15:33**
